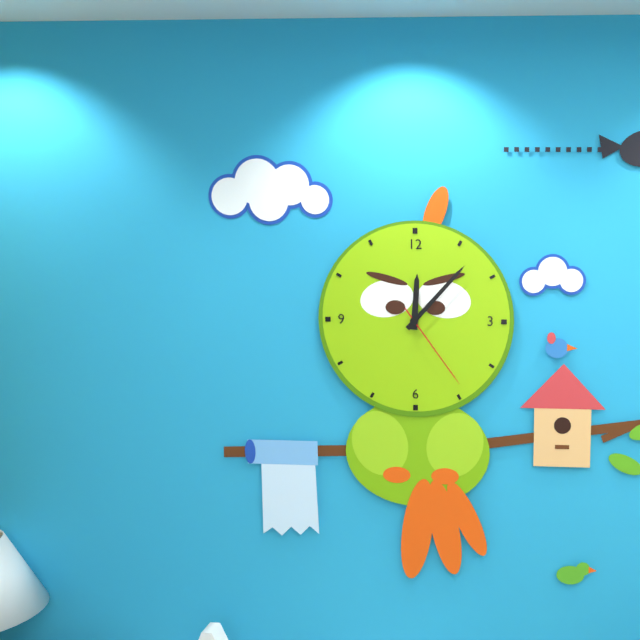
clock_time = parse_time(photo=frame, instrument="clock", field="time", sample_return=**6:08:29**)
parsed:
**12:07:24**
